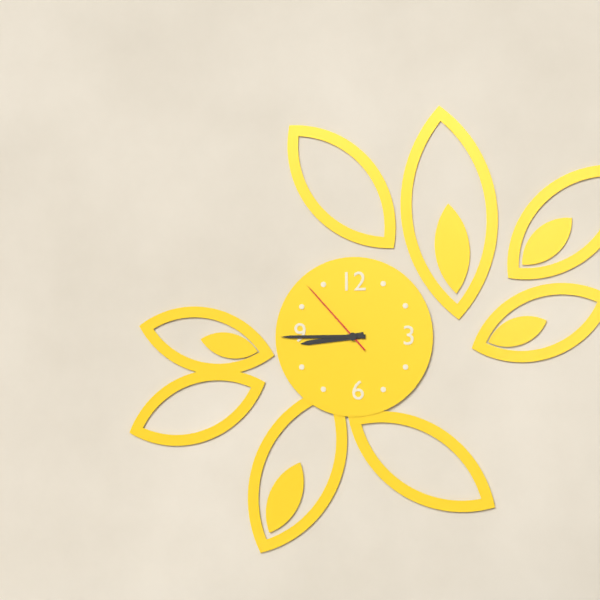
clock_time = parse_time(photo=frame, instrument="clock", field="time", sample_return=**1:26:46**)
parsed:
**8:45:53**
